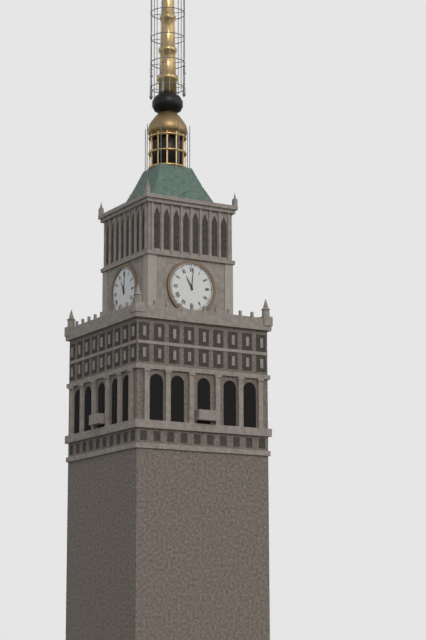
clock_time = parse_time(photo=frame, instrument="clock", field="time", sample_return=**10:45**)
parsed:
**11:01**
